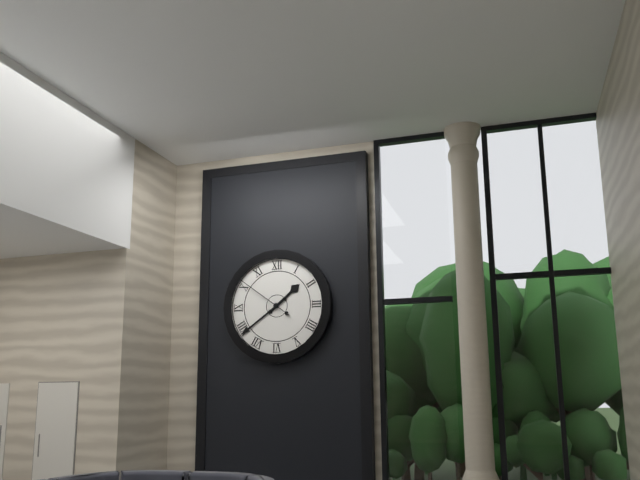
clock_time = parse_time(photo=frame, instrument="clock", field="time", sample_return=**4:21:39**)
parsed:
**1:39:51**
